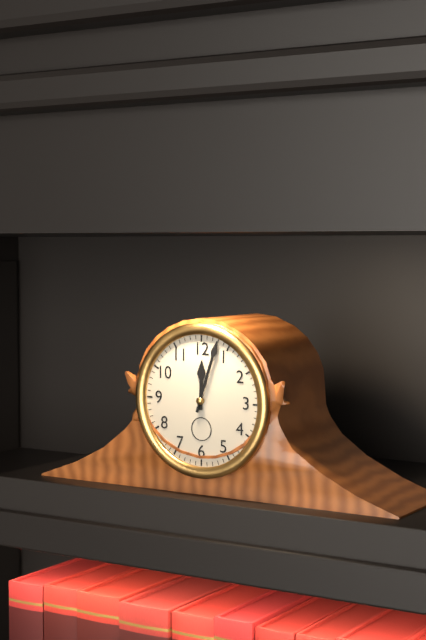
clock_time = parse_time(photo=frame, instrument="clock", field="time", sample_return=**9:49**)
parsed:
**12:03**
